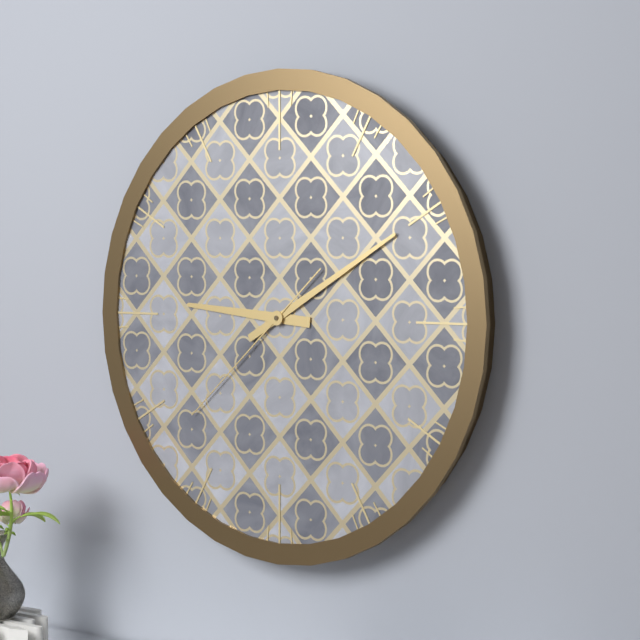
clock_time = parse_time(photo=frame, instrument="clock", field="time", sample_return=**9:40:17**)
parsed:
**9:10:38**
